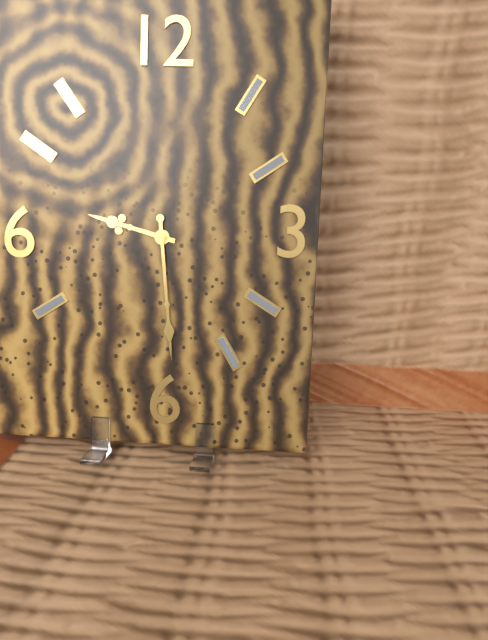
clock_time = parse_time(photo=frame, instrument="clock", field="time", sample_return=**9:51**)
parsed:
**9:29**
